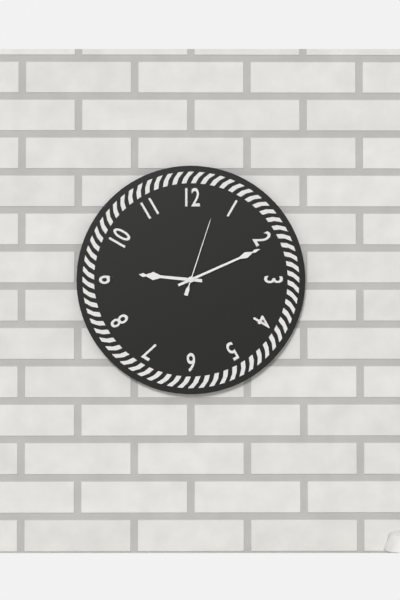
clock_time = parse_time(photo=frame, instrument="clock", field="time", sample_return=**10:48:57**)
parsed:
**9:11:03**
